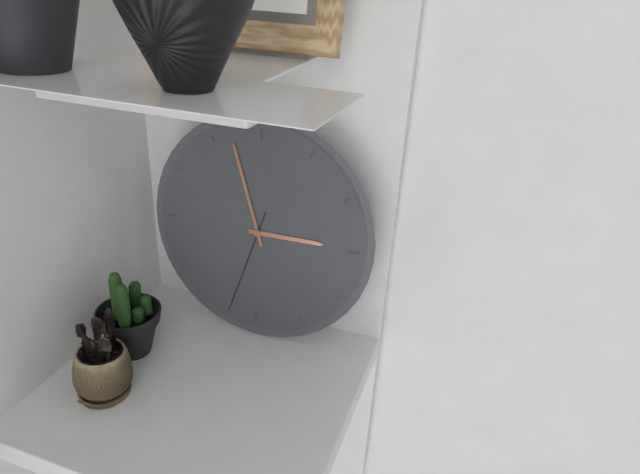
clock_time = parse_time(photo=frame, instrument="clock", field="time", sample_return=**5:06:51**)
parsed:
**2:57:33**
